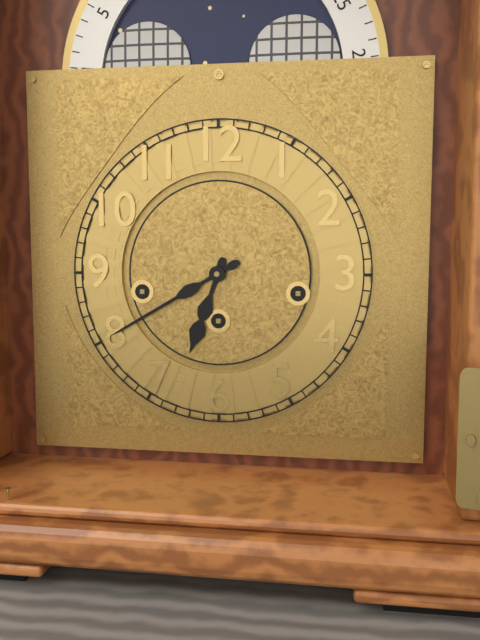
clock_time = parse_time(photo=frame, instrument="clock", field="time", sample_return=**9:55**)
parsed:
**6:40**
